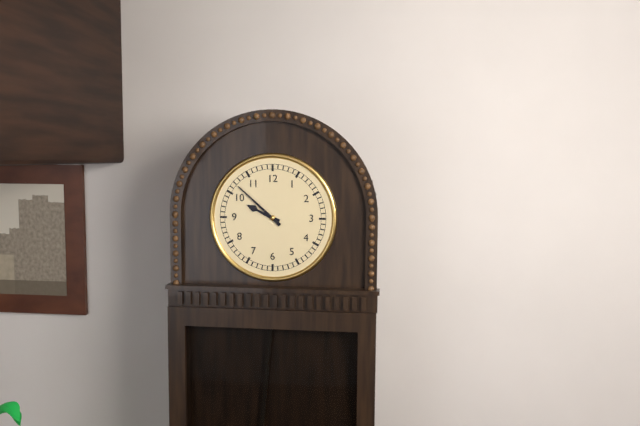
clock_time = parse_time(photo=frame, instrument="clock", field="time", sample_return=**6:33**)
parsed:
**9:52**
